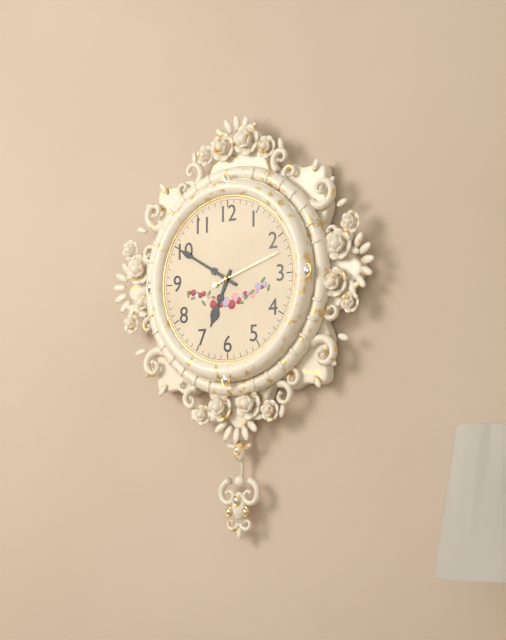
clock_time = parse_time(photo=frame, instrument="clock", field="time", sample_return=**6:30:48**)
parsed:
**6:50:12**
